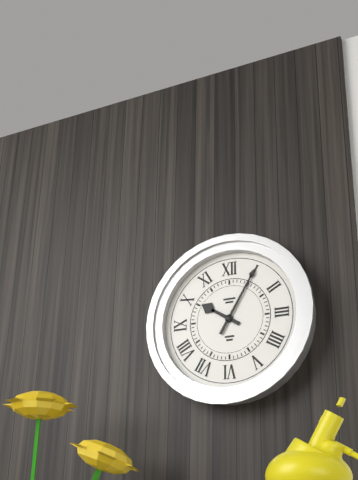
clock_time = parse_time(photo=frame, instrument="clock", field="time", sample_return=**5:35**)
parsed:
**10:05**
